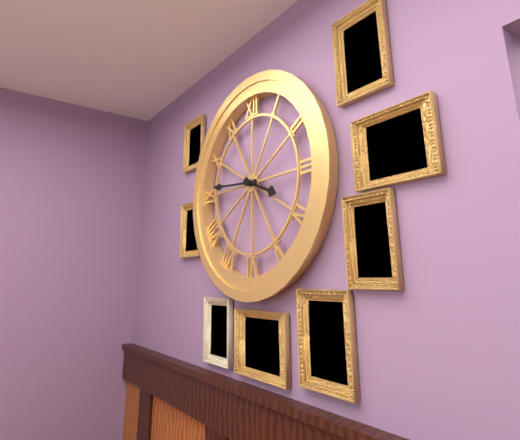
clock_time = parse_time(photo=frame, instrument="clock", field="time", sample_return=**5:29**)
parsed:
**3:46**
